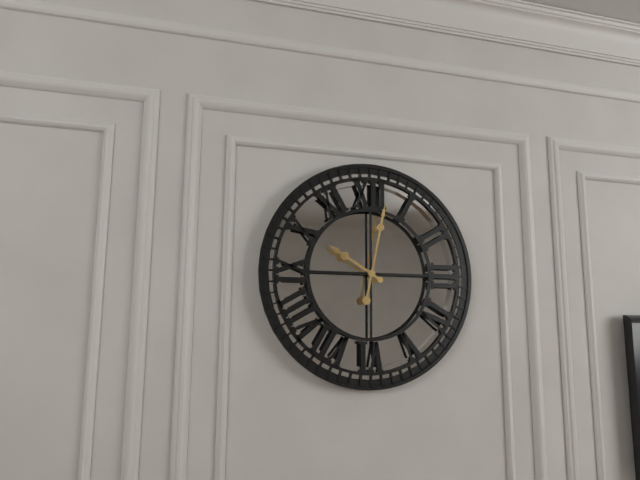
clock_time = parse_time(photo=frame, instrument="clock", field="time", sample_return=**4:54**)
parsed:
**10:02**
